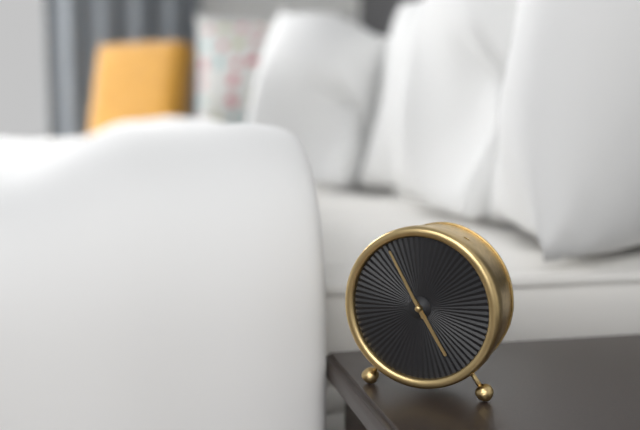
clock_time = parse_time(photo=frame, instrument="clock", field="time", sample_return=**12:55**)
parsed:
**4:55**
